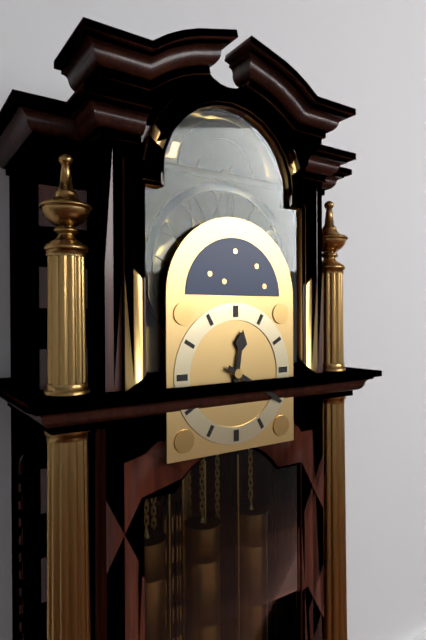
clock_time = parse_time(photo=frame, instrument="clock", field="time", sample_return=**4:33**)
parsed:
**12:20**
